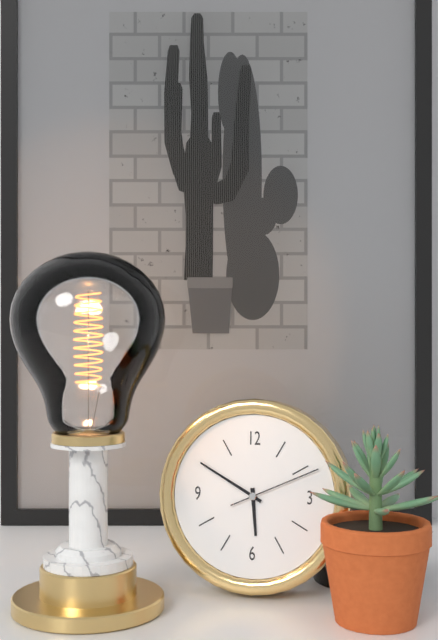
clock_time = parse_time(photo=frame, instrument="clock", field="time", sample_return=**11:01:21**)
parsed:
**5:50:11**
